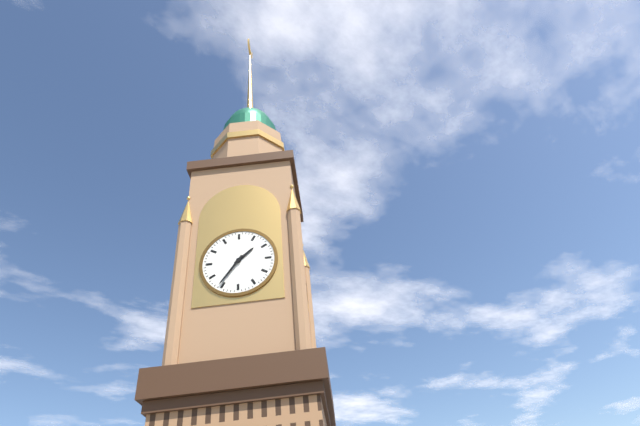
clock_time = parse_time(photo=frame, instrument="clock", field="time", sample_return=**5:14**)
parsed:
**1:36**
